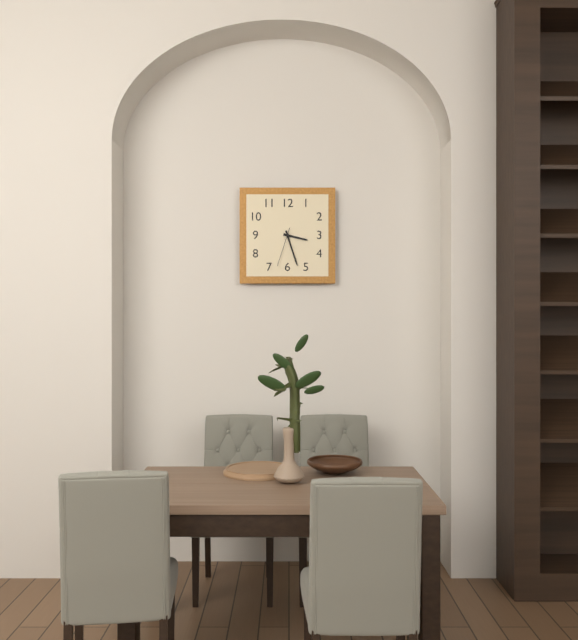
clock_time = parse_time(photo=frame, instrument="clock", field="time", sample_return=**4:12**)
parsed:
**3:27**
